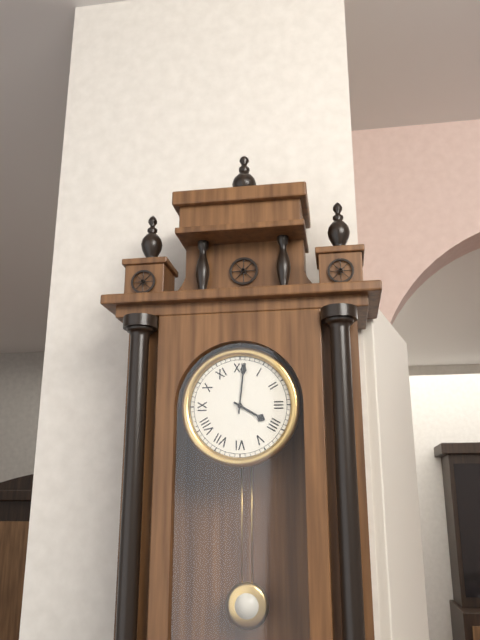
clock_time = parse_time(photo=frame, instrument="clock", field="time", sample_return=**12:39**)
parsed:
**4:01**
